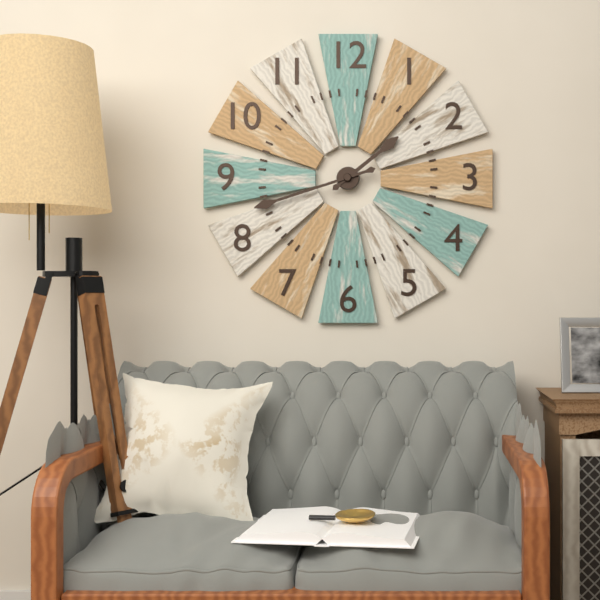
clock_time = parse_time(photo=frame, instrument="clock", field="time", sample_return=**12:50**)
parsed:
**1:42**
